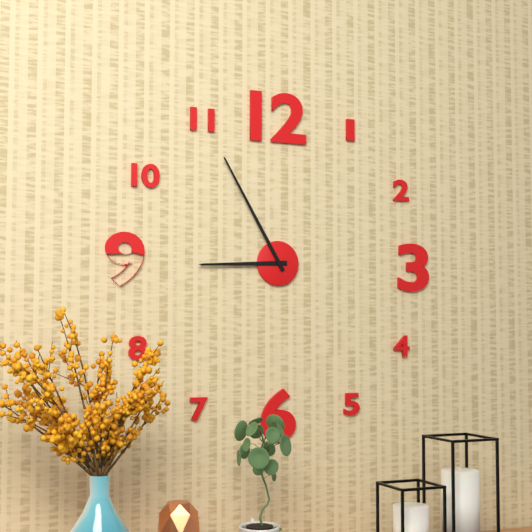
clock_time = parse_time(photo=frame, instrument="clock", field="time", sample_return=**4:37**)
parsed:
**8:55**
